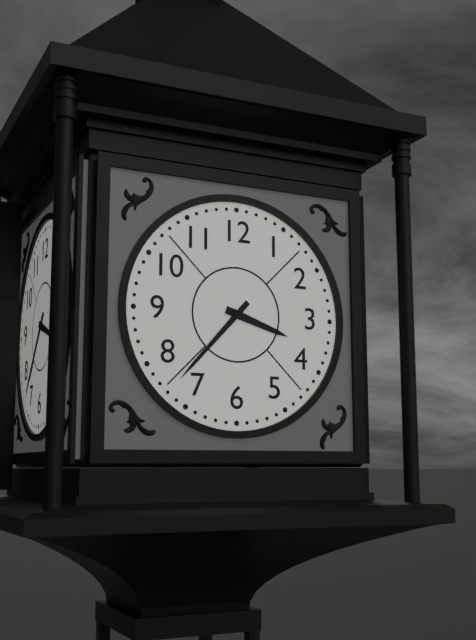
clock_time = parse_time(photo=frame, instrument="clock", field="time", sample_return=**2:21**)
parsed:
**3:37**
